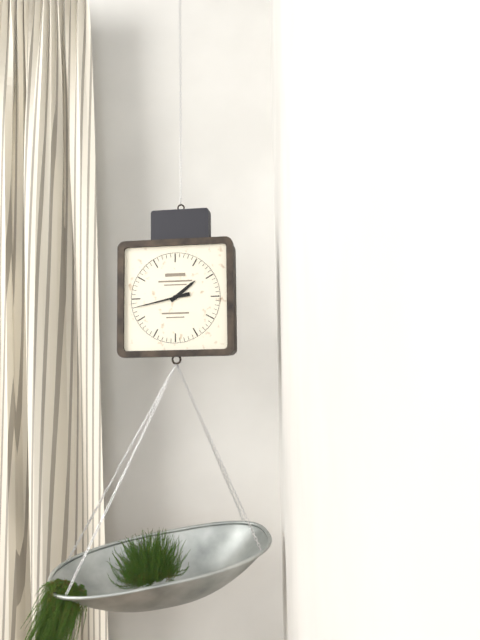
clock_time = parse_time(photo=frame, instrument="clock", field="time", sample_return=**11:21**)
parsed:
**1:43**
